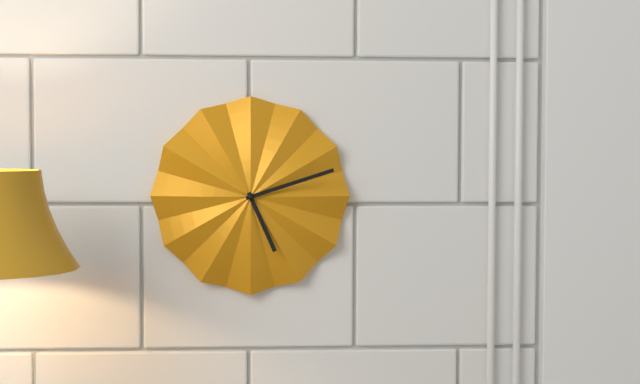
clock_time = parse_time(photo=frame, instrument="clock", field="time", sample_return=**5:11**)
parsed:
**5:12**
